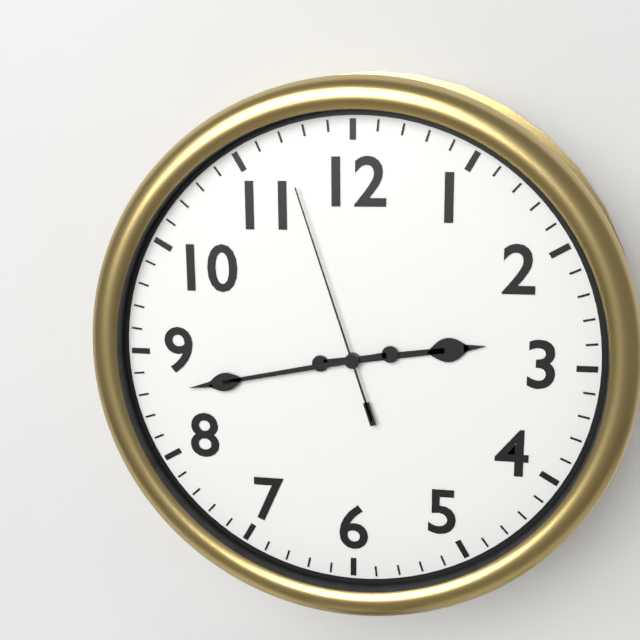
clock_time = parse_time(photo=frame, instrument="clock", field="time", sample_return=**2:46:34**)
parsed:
**2:43:57**
